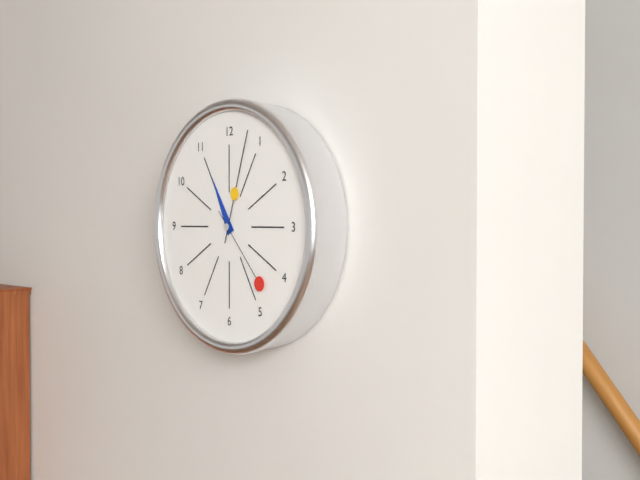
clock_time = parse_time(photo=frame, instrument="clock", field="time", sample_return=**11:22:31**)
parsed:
**11:03:23**
